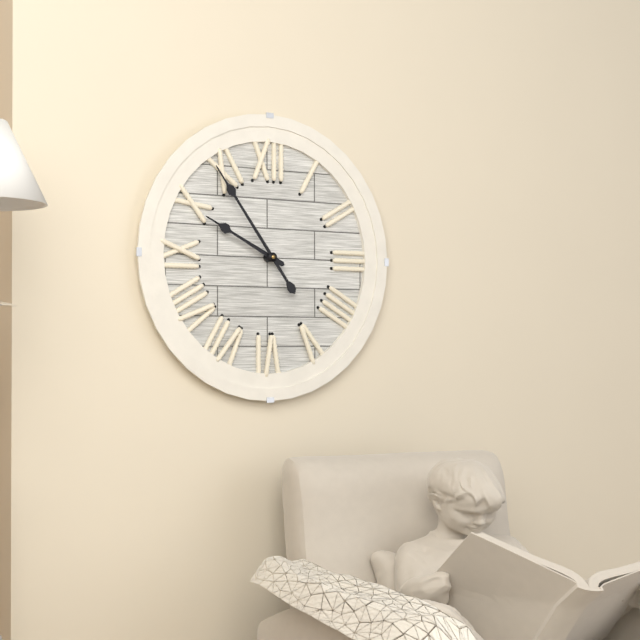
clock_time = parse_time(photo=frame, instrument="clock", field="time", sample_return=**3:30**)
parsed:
**9:54**
